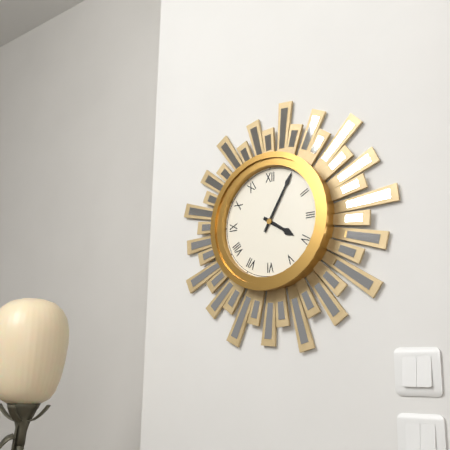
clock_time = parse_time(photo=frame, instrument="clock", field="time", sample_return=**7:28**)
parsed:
**4:05**
